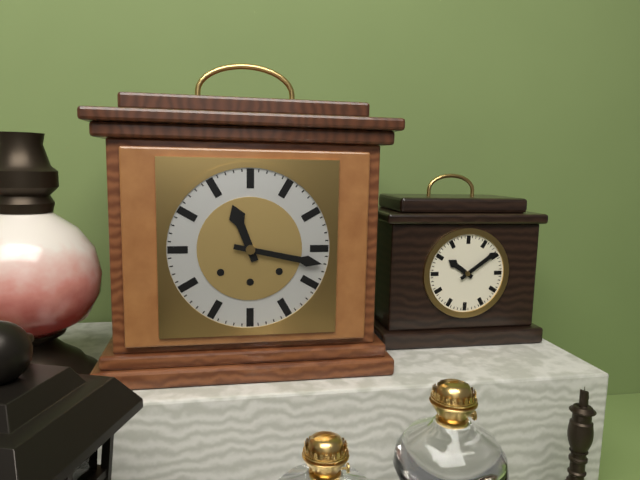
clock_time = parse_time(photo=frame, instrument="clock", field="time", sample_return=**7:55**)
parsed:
**11:17**
